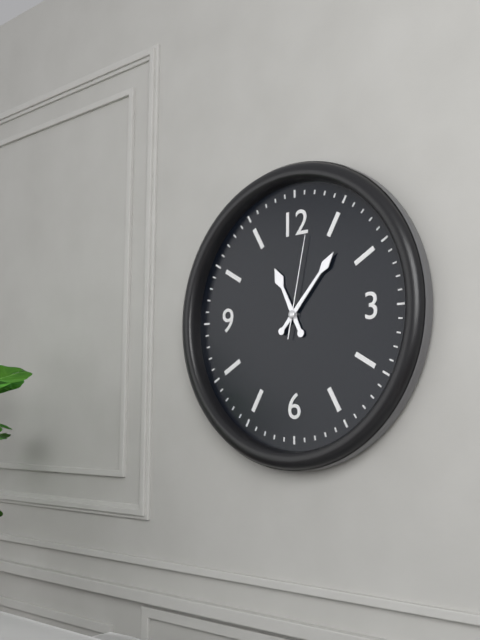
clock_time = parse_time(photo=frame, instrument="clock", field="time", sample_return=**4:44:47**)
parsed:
**11:07:02**
